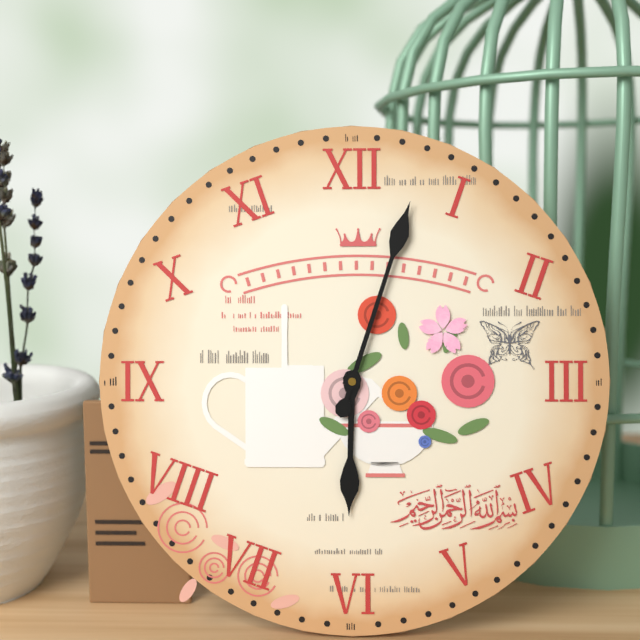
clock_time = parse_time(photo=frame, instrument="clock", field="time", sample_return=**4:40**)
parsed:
**6:03**
